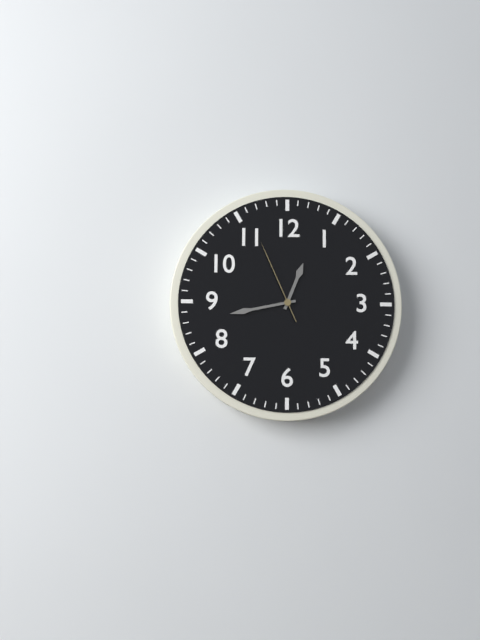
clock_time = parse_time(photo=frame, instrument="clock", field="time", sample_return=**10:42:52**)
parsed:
**12:43:56**
